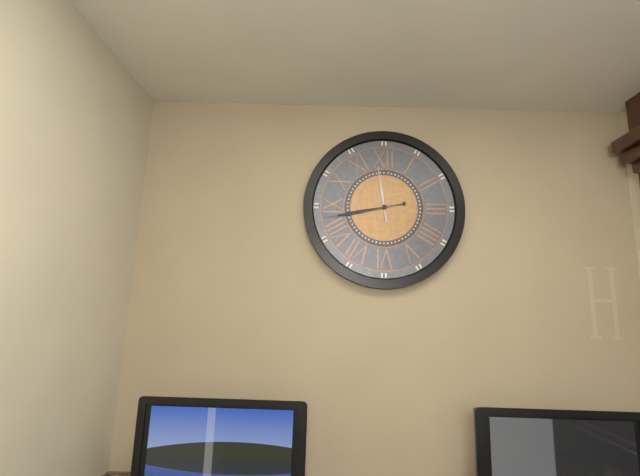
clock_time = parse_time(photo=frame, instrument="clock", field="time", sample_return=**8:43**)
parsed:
**11:43**
